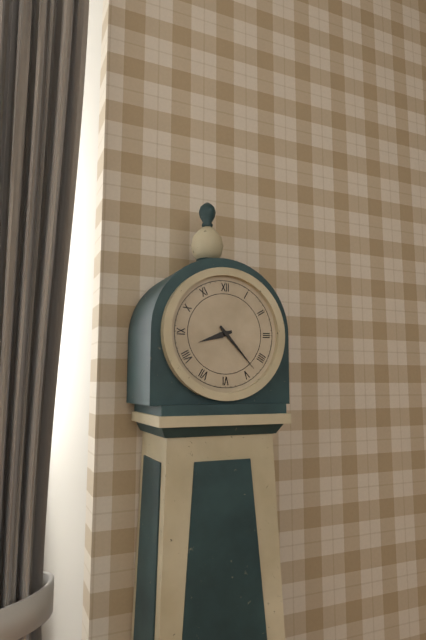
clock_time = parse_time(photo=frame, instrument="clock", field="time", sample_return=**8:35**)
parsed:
**8:23**
